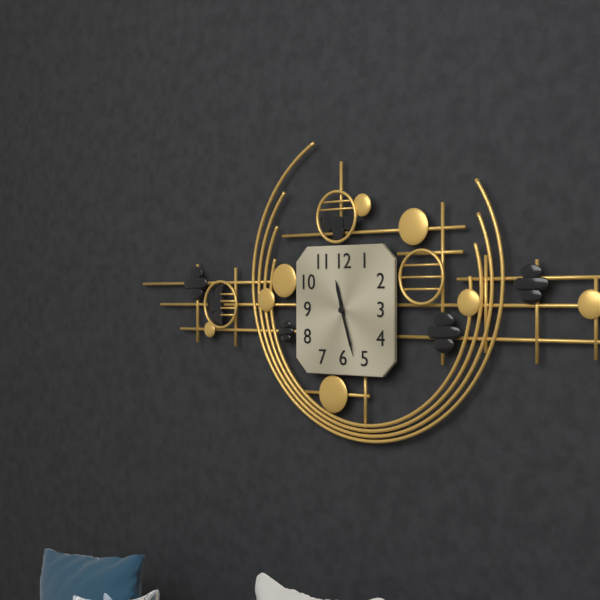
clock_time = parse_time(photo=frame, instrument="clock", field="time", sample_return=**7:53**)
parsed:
**11:27**
